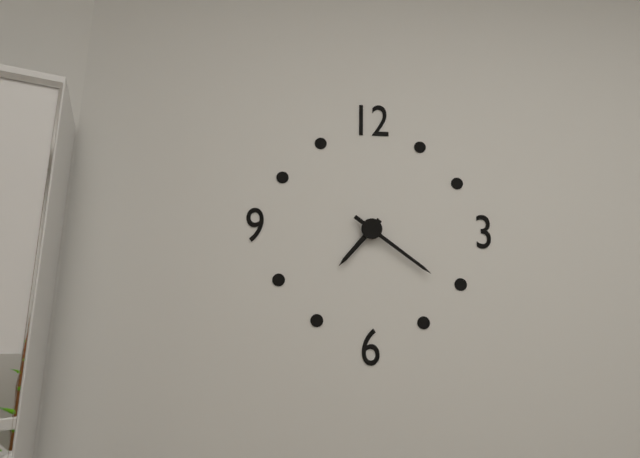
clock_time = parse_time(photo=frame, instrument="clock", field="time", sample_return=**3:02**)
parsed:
**7:21**
